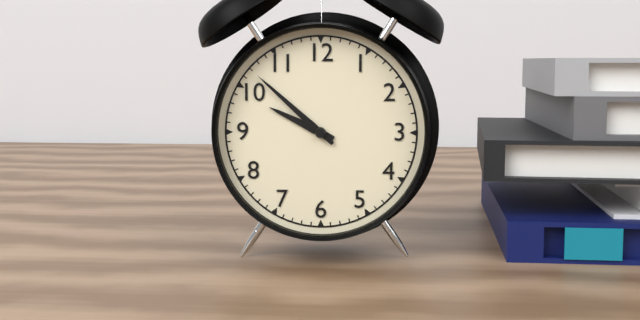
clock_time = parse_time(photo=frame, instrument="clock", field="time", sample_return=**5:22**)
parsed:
**9:52**
